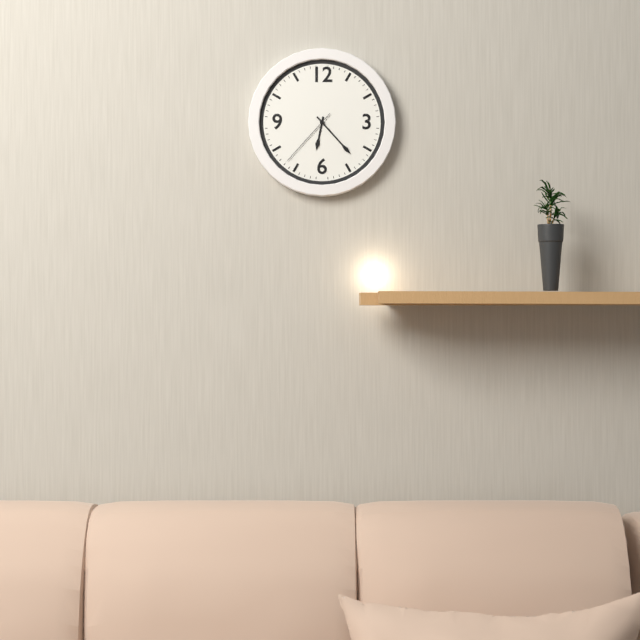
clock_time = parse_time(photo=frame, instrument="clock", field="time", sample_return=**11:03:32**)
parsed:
**6:23:37**
